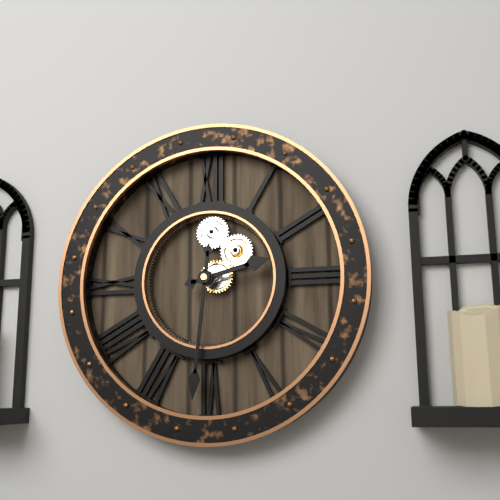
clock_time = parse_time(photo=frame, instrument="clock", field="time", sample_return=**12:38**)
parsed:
**2:31**
